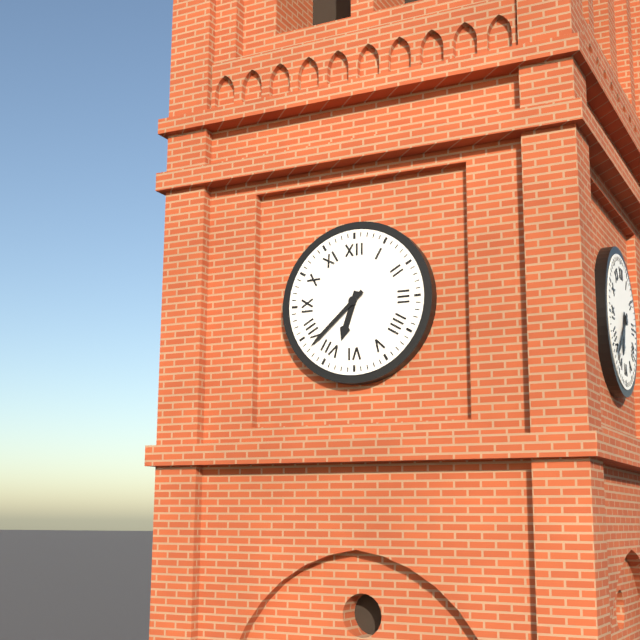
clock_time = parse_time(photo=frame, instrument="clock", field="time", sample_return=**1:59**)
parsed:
**6:38**
